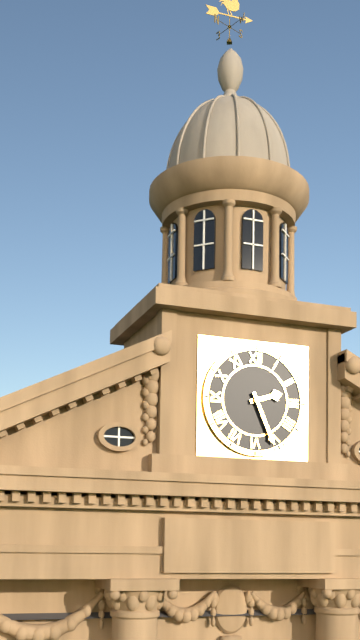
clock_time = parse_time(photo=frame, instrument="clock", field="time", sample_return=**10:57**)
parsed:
**2:26**
